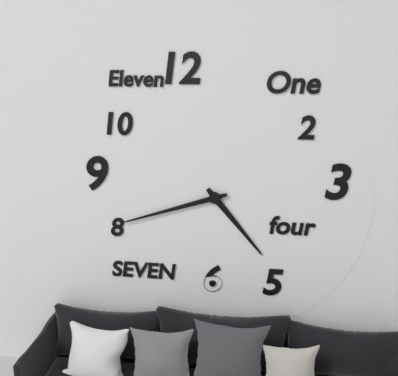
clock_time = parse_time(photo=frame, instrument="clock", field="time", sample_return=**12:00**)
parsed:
**4:42**
